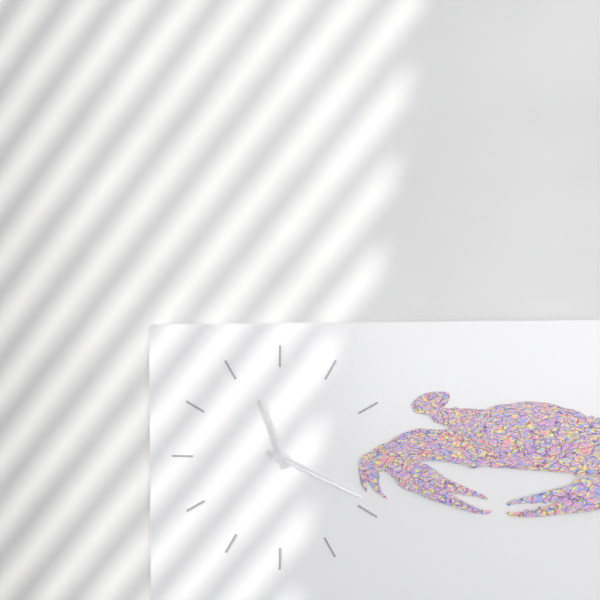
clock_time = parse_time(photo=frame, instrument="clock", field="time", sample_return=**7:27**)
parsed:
**11:19**
